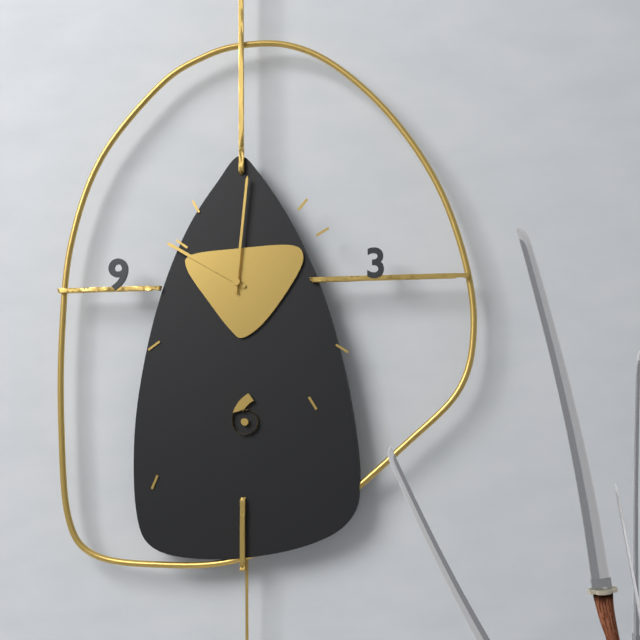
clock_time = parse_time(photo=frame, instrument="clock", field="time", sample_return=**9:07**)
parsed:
**10:01**
